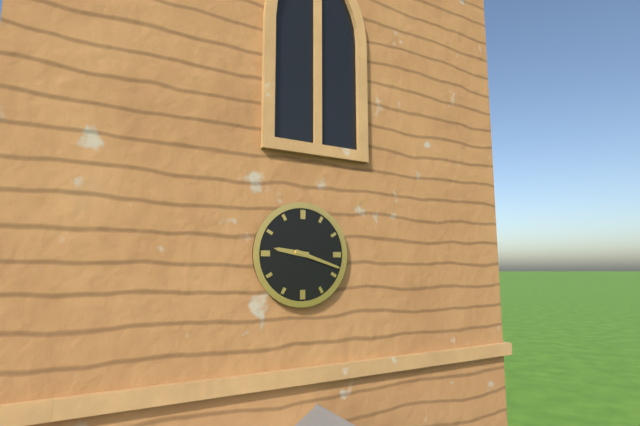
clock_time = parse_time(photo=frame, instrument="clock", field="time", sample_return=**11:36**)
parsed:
**9:18**
